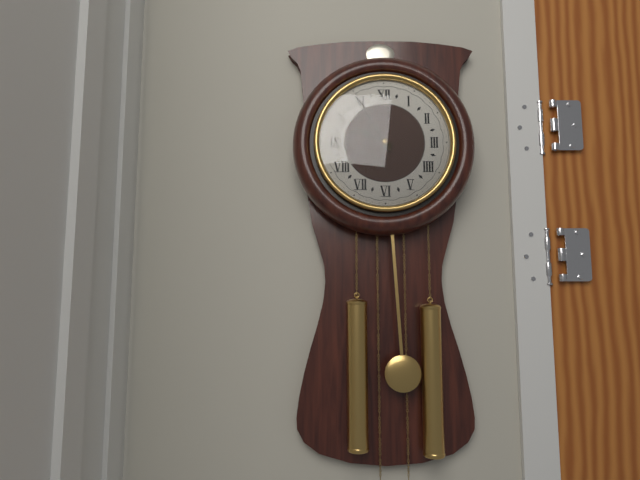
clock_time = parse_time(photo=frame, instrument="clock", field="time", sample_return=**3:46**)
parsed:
**9:55**
